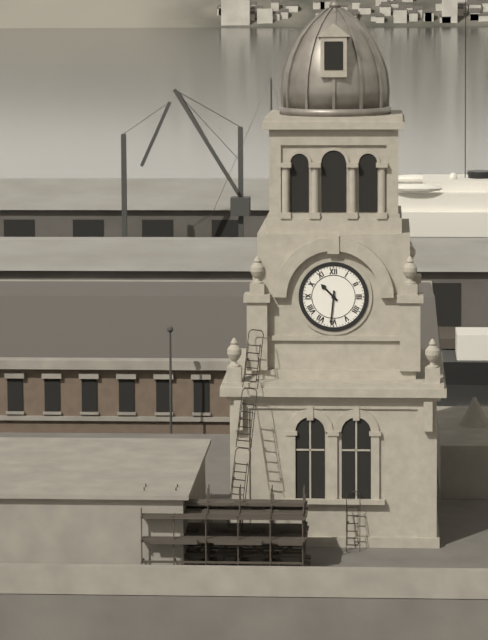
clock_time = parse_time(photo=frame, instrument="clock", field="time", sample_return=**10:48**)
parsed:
**10:31**
